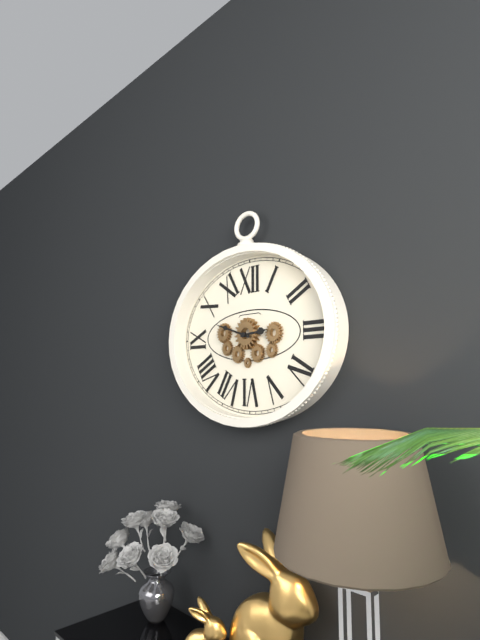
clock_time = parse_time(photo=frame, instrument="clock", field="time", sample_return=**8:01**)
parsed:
**2:48**
